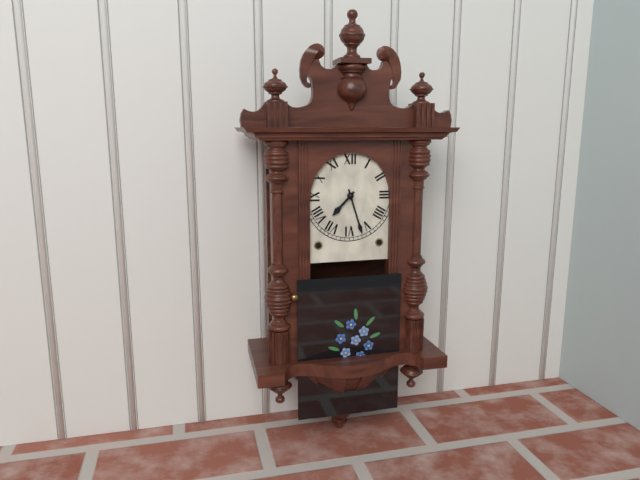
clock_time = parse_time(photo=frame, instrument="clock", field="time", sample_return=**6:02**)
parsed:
**7:27**
